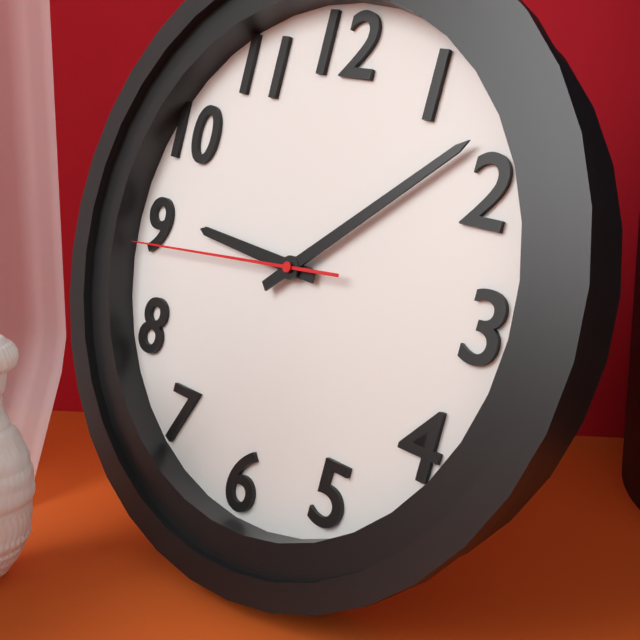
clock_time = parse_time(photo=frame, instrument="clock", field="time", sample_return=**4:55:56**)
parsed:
**9:08:44**
